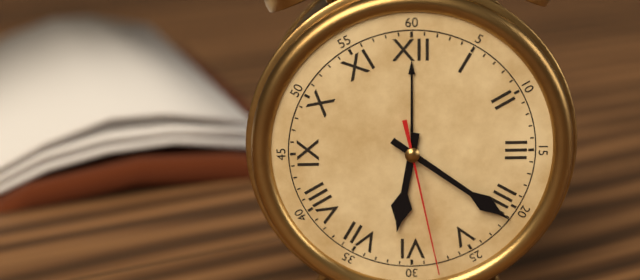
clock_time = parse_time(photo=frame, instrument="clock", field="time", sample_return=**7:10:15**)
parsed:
**6:21:28**
